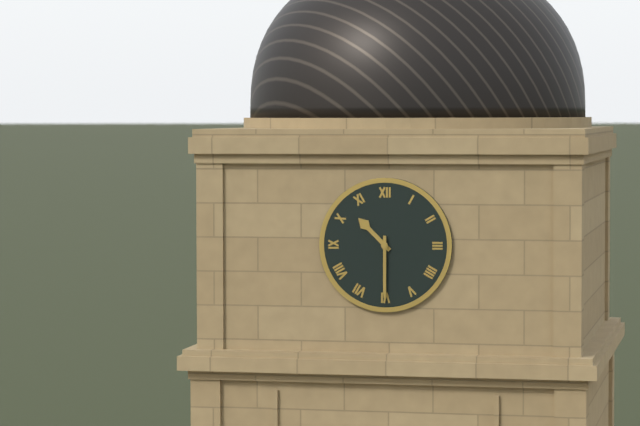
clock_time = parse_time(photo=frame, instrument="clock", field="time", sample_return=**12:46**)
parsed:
**10:30**
